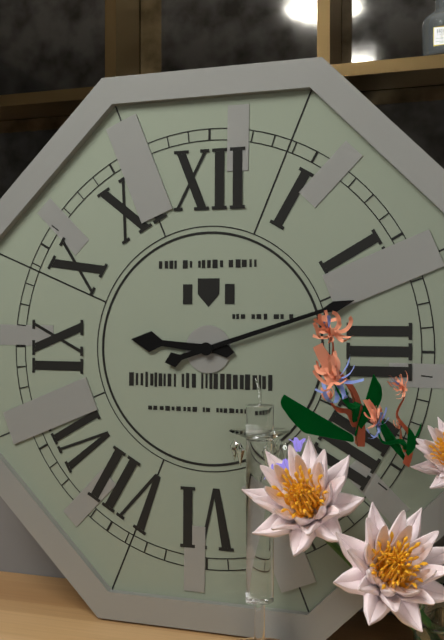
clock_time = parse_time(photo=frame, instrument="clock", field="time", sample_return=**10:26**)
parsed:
**9:12**
